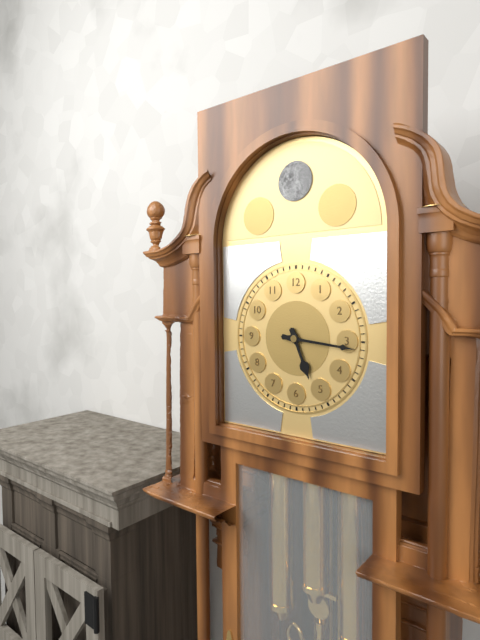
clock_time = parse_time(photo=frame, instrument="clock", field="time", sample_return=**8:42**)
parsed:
**5:16**
